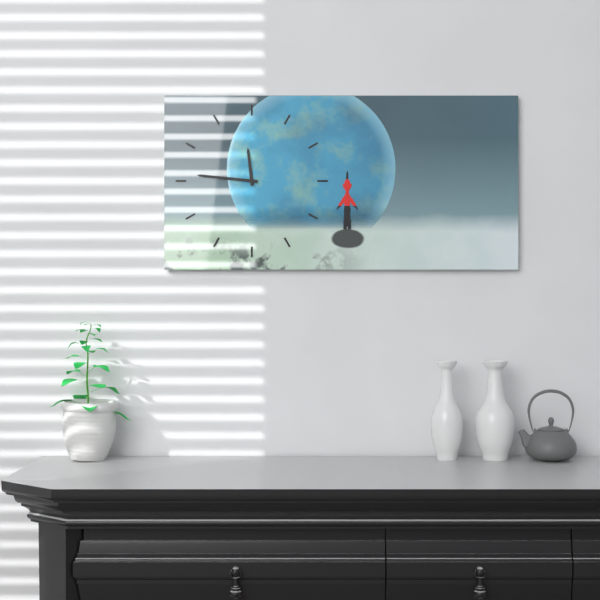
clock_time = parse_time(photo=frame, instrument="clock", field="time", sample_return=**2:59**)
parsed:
**11:46**
